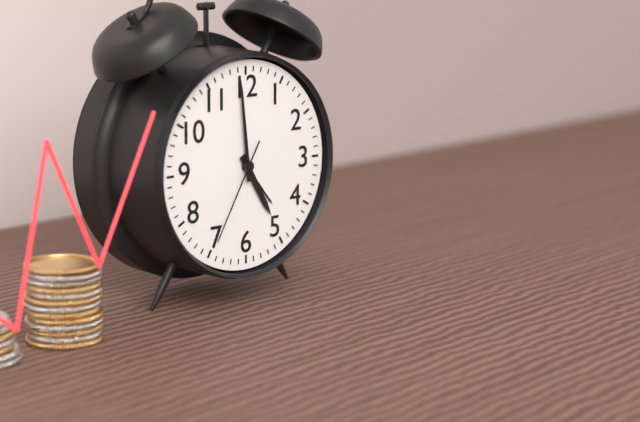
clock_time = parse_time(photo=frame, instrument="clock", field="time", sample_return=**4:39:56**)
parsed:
**4:59:35**
